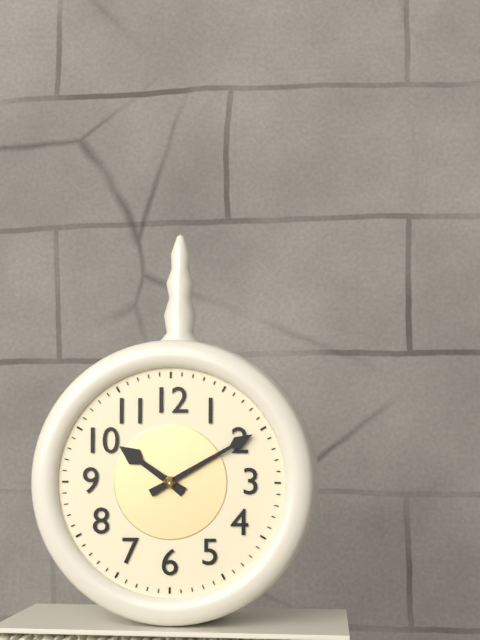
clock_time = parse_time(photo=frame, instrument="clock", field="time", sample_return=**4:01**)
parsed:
**10:10**
